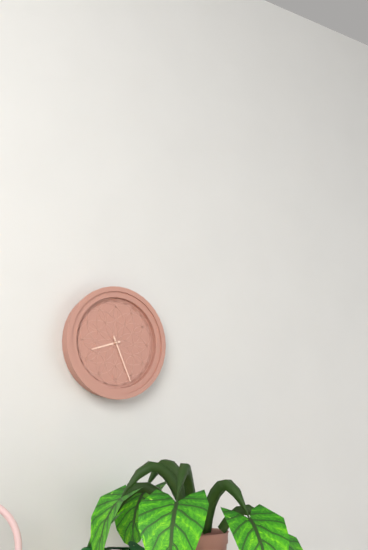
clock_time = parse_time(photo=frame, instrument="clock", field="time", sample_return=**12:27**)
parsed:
**8:26**
